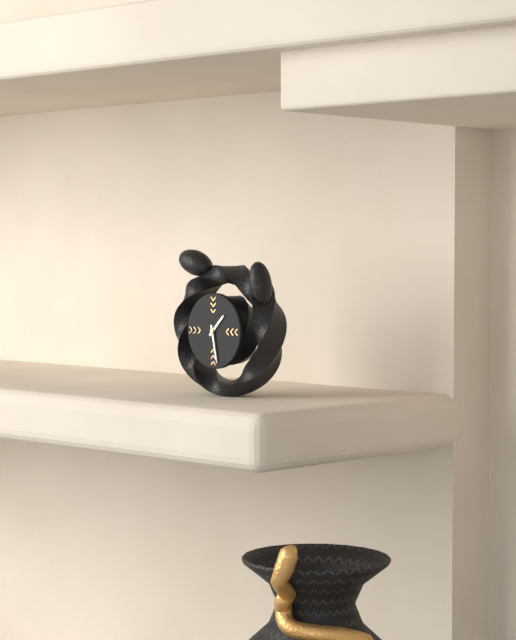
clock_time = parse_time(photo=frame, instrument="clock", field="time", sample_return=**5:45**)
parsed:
**1:28**
